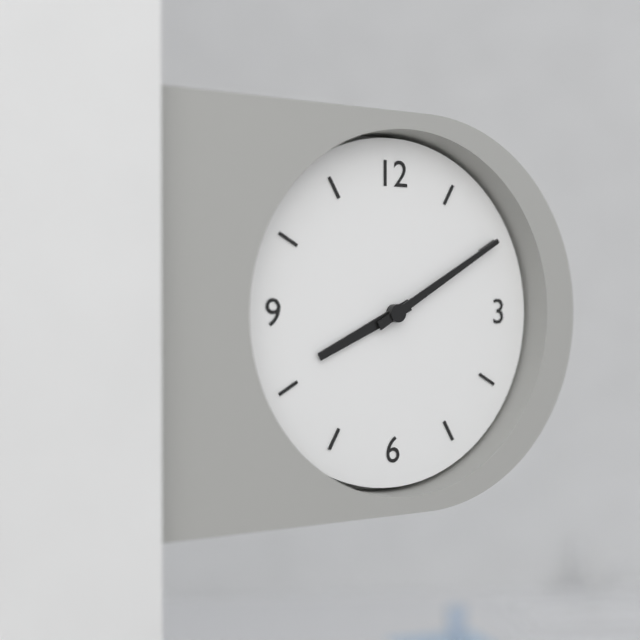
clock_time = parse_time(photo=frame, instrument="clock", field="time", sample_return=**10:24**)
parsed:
**8:10**
